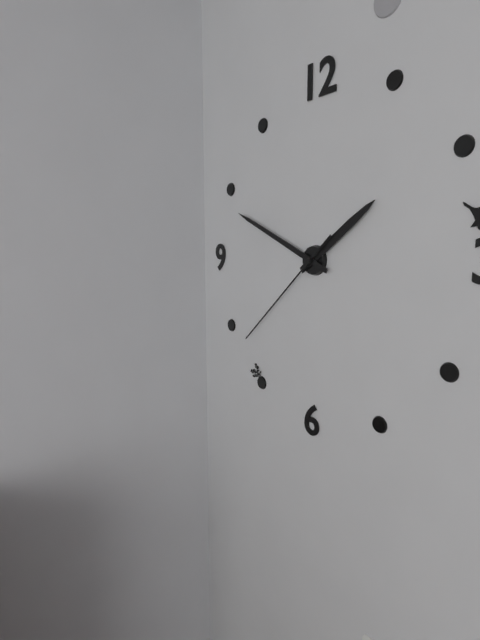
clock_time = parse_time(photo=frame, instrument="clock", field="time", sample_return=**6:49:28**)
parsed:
**1:49:38**
